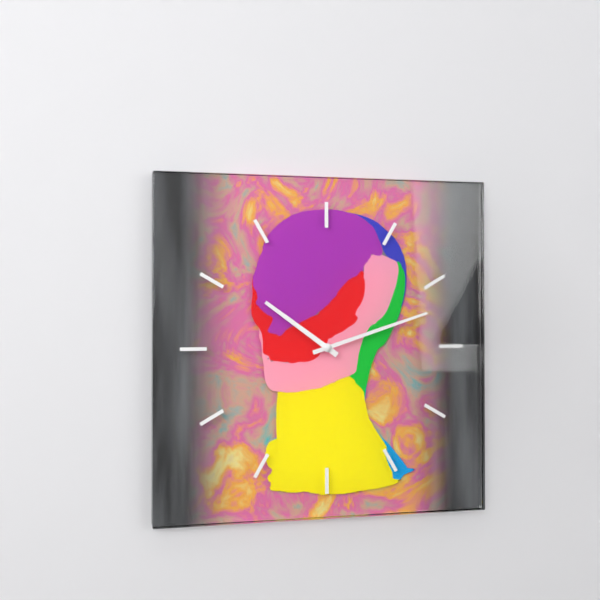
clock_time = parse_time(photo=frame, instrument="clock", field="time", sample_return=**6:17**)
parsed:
**10:12**
